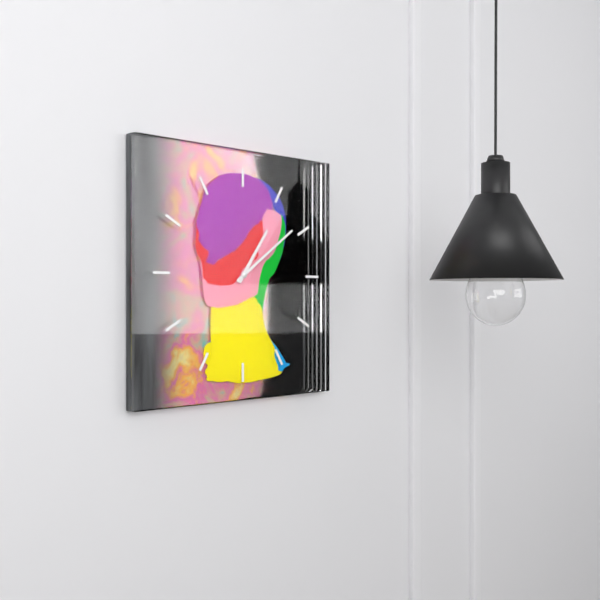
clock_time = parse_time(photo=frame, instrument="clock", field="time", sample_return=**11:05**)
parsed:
**1:09**
